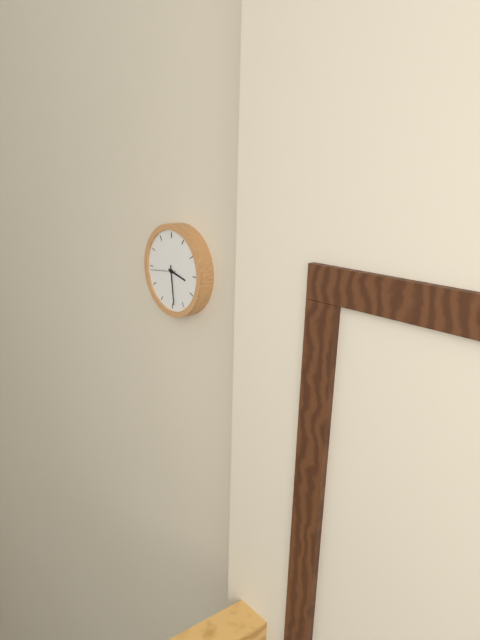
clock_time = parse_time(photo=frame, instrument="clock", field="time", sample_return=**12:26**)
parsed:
**3:29**
